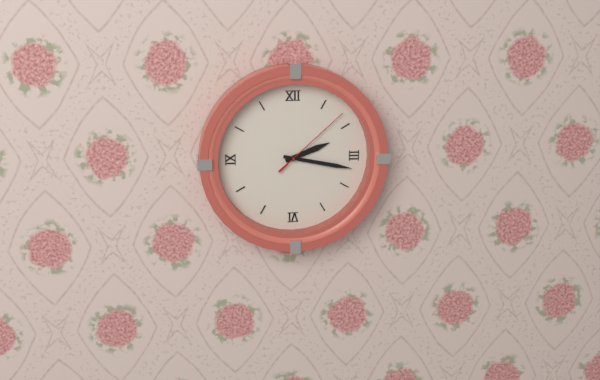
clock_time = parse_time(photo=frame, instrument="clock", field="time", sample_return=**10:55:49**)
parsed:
**2:17:08**
